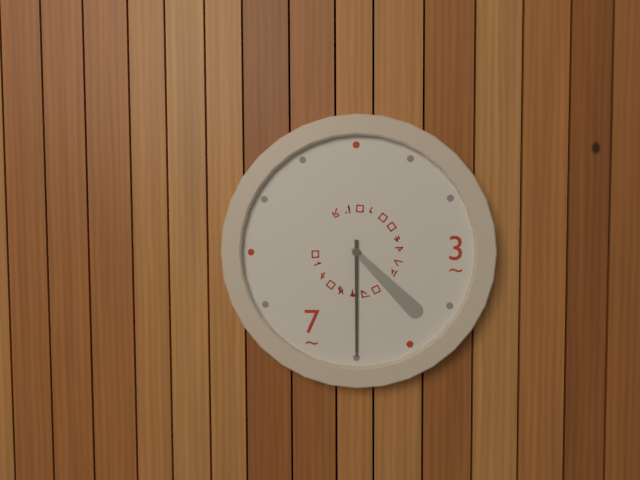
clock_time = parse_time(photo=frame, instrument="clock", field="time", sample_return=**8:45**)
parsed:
**4:30**
